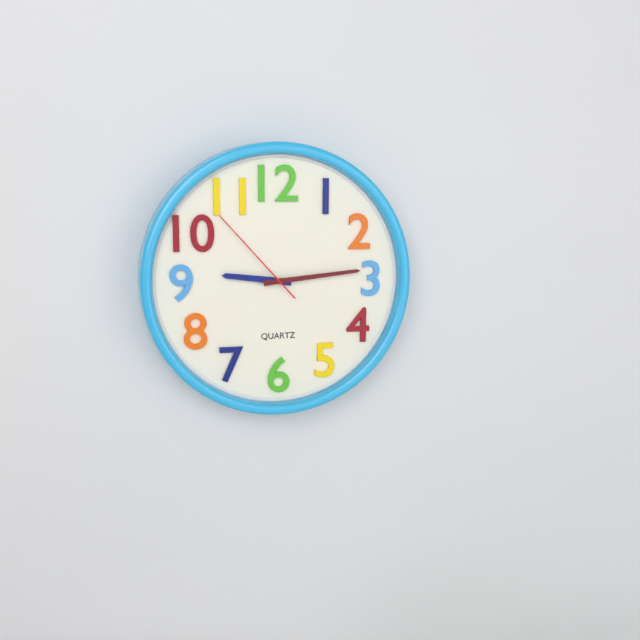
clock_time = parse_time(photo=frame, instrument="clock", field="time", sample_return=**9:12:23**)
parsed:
**9:14:53**
